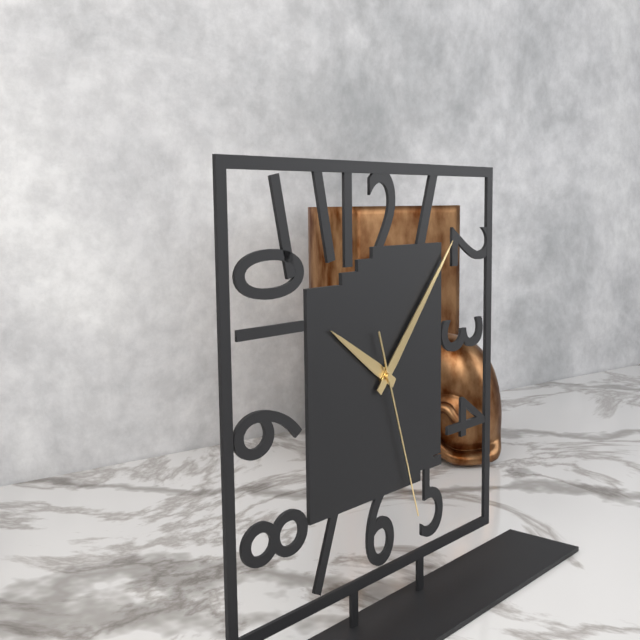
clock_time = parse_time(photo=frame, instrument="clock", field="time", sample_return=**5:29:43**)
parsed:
**10:07:27**
